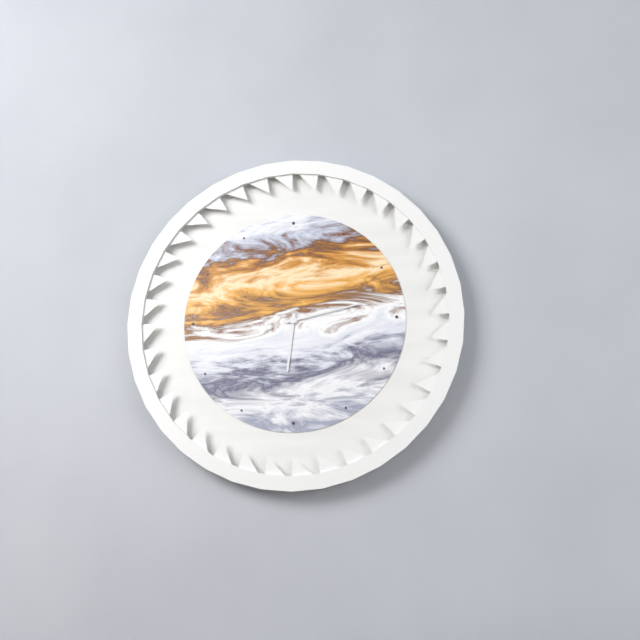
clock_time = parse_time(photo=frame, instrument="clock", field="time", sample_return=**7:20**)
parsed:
**6:13**
